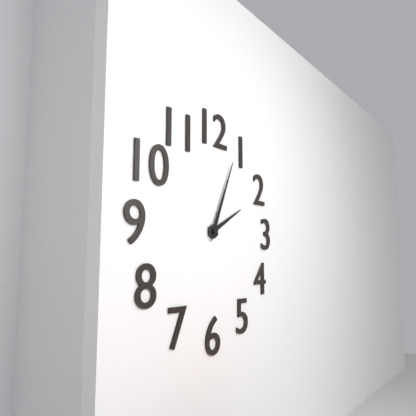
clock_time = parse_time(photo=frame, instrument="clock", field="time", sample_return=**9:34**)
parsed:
**2:04**
